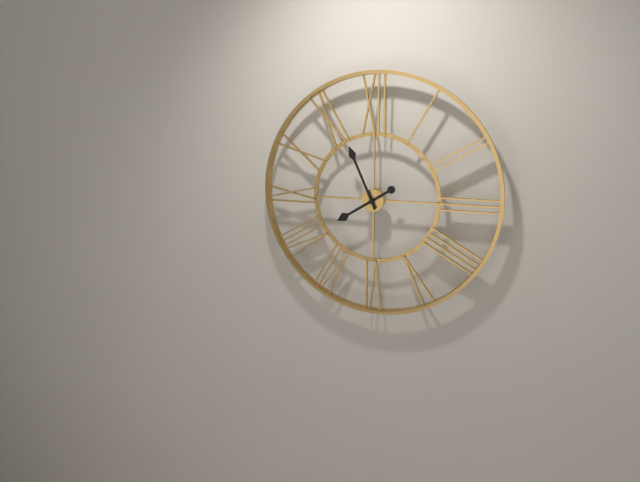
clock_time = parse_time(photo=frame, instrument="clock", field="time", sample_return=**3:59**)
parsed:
**7:56**
